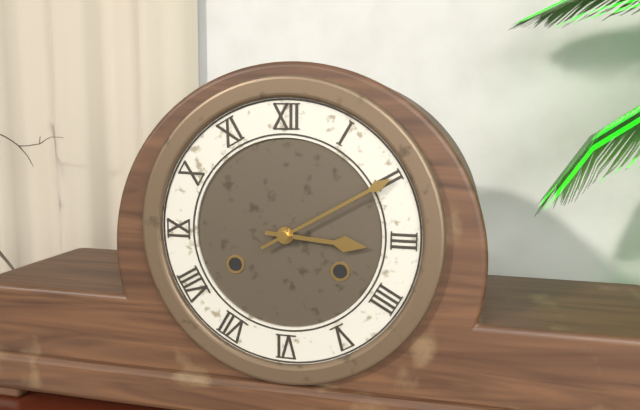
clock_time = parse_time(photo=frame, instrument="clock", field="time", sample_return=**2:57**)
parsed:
**3:10**
